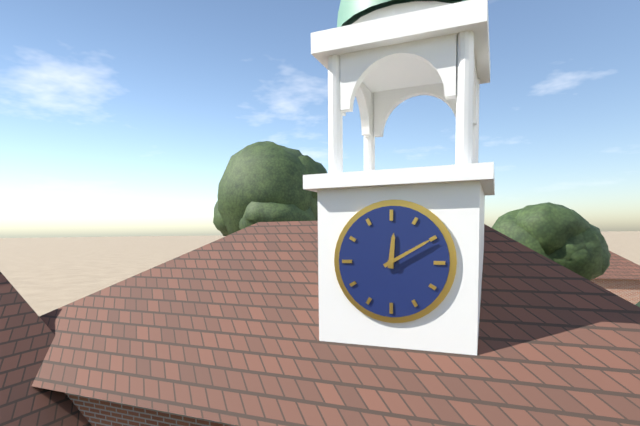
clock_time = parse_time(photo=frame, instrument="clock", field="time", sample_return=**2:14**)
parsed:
**12:10**
